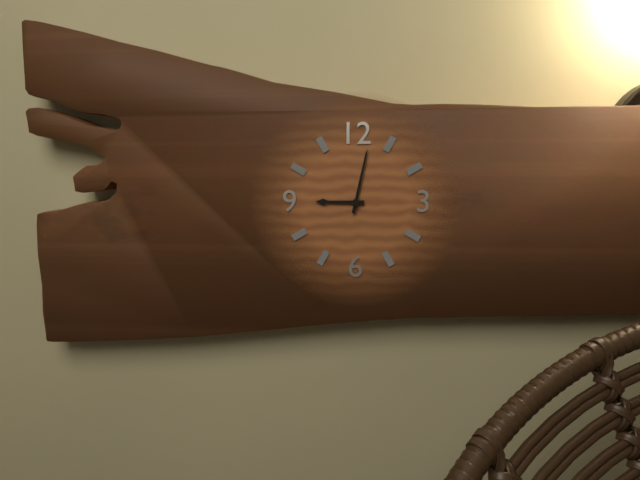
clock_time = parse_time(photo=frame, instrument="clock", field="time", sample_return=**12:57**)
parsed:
**9:02**
